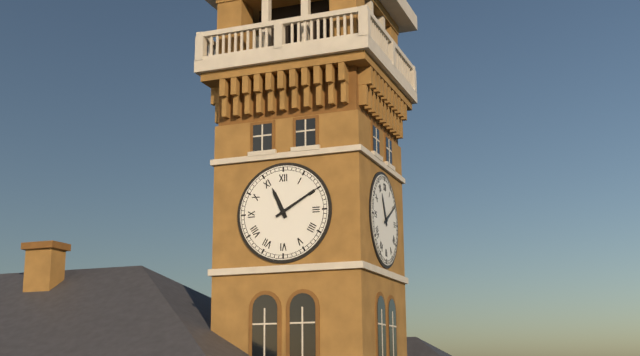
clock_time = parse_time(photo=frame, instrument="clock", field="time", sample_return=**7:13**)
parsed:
**11:10**
